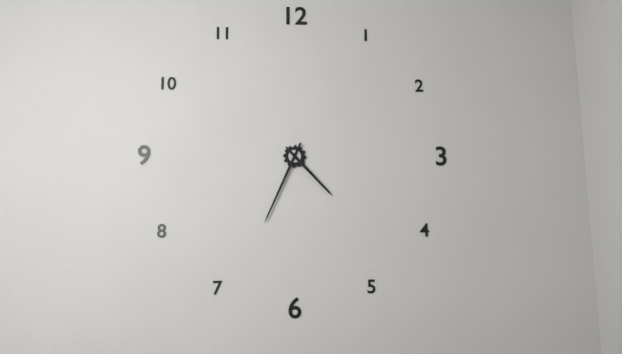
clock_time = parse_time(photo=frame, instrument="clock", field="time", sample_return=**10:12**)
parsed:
**4:34**
